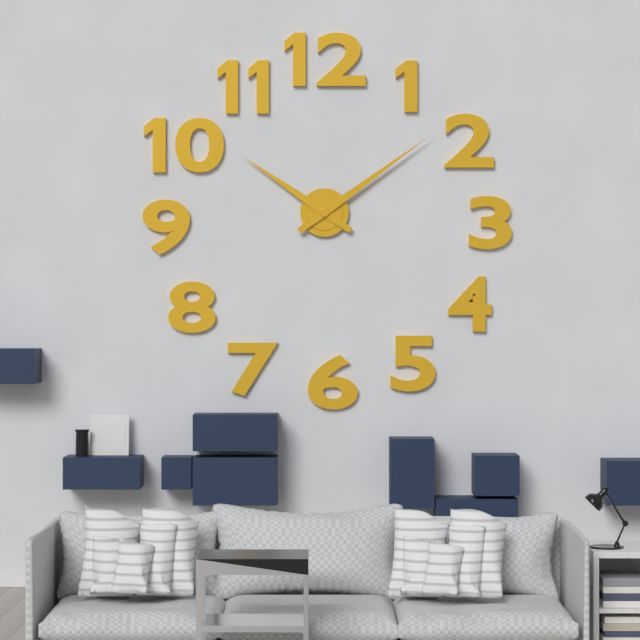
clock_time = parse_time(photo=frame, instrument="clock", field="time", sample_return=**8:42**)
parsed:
**10:09**
